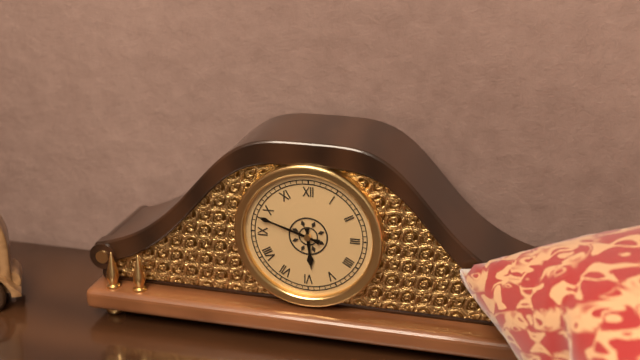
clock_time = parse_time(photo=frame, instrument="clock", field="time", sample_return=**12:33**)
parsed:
**5:48**
